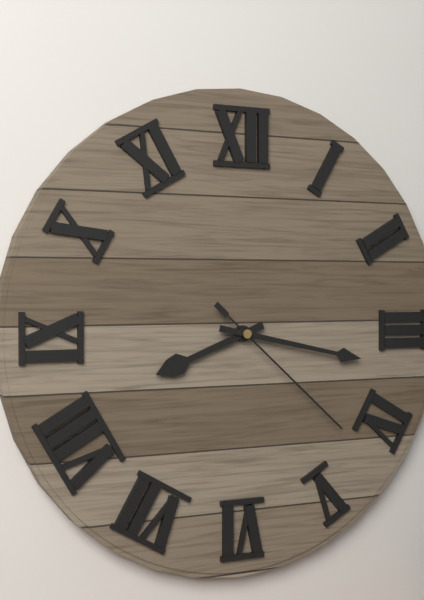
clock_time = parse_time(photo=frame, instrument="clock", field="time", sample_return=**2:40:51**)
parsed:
**8:17:22**
